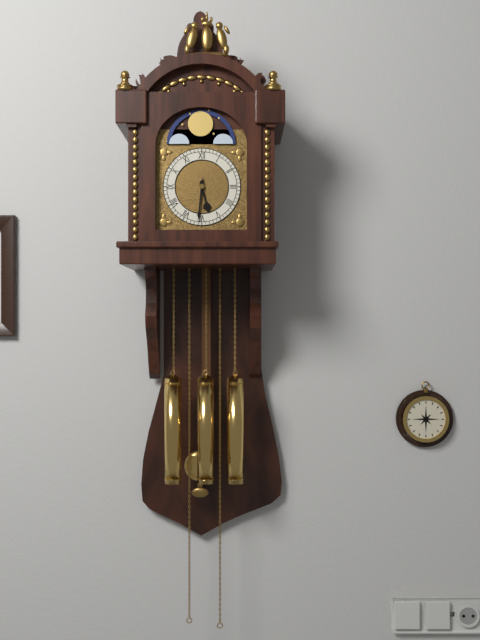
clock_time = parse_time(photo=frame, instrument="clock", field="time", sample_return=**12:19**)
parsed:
**5:31**
